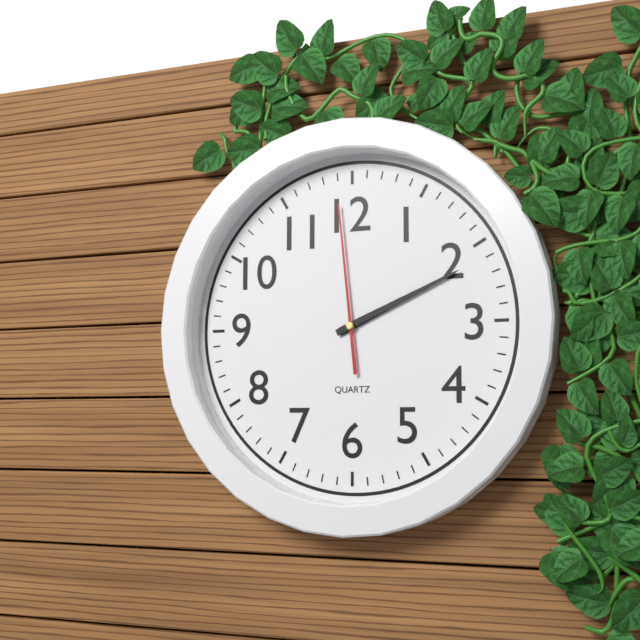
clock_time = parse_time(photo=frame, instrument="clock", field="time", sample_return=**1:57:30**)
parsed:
**2:11:59**
